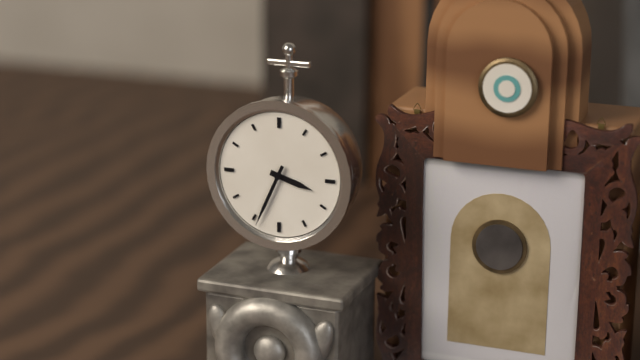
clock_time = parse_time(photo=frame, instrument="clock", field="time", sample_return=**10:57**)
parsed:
**3:34**
